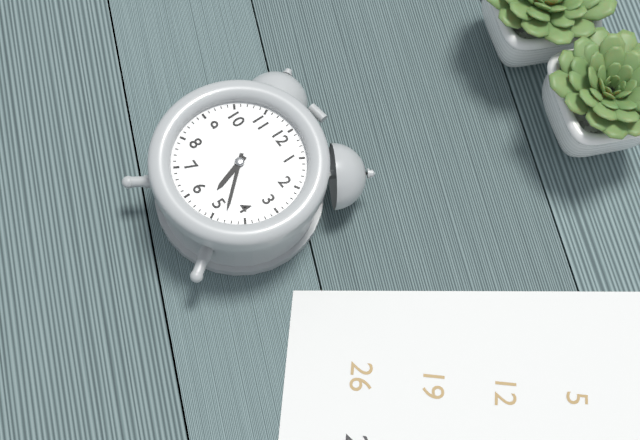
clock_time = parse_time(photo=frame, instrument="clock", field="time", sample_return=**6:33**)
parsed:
**5:23**
